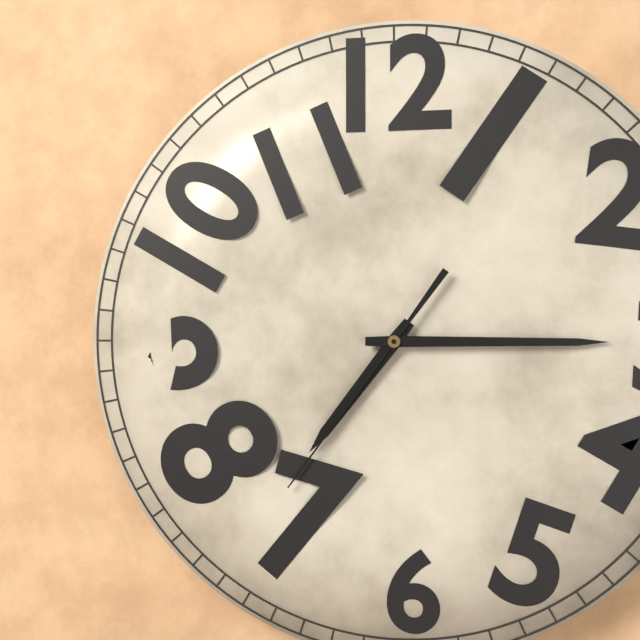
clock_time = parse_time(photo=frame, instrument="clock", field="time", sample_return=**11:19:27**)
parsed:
**7:15:36**
